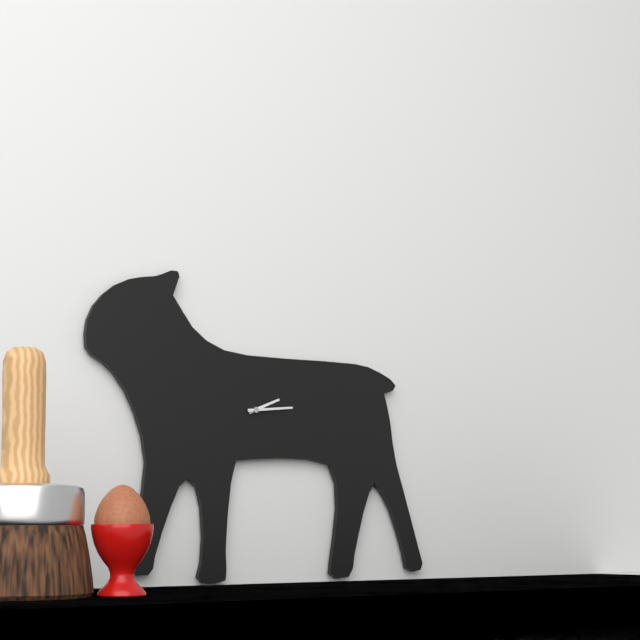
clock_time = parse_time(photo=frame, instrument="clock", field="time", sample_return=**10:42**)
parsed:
**2:14**
